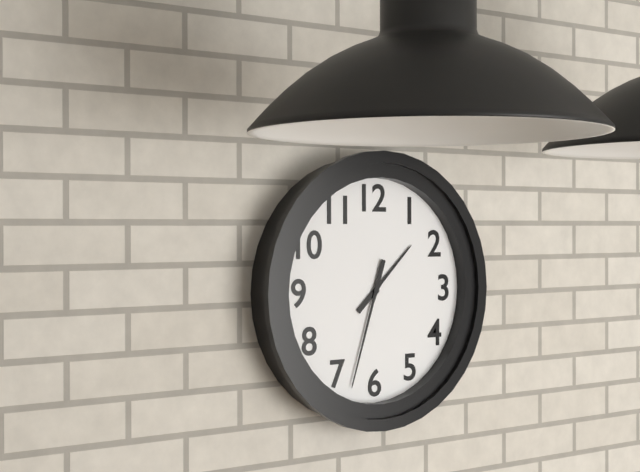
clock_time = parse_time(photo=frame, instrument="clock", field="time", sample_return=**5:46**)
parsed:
**1:33**
